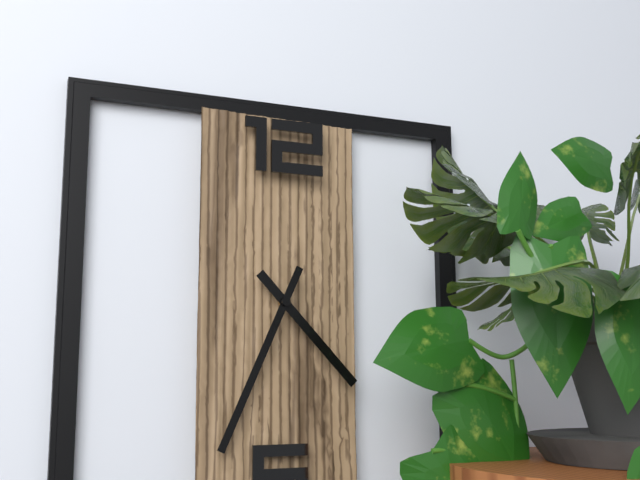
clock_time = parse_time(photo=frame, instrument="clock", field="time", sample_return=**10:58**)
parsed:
**4:34**
